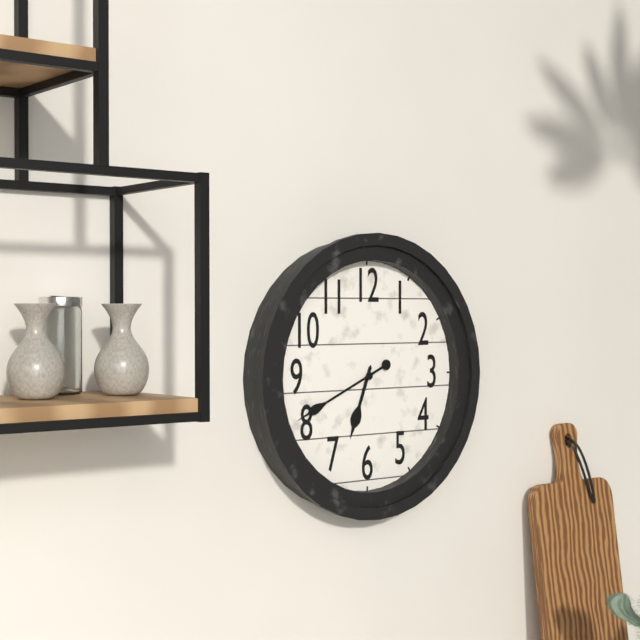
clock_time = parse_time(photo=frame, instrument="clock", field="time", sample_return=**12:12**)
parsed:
**6:41**
